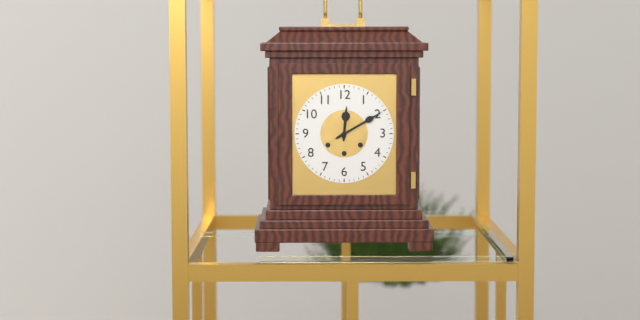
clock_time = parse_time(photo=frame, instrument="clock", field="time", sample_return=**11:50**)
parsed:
**12:10**
